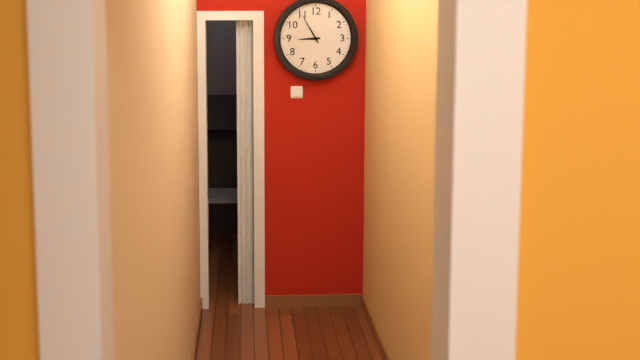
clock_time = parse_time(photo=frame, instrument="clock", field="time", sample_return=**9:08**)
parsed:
**8:55**
